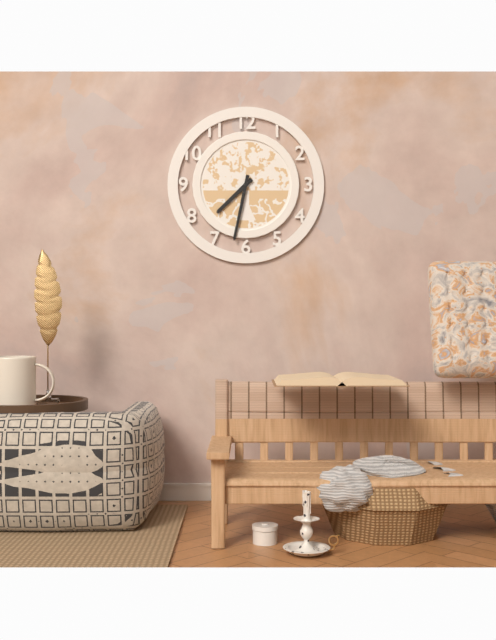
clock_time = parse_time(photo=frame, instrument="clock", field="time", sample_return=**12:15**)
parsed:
**7:32**
